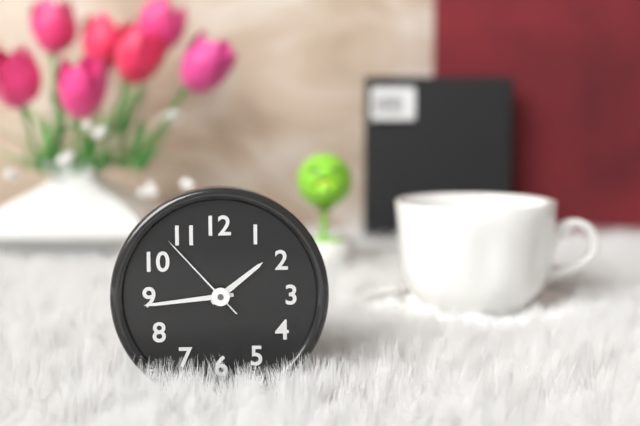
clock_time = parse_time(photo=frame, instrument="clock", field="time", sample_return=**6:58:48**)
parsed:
**1:44:53**
